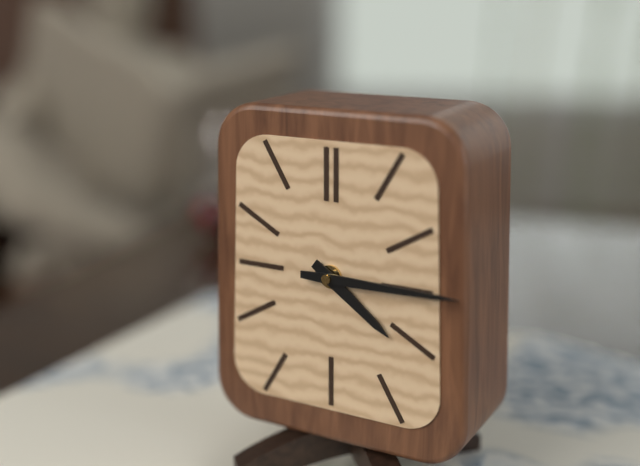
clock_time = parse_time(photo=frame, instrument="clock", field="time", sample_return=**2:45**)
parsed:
**4:15**
